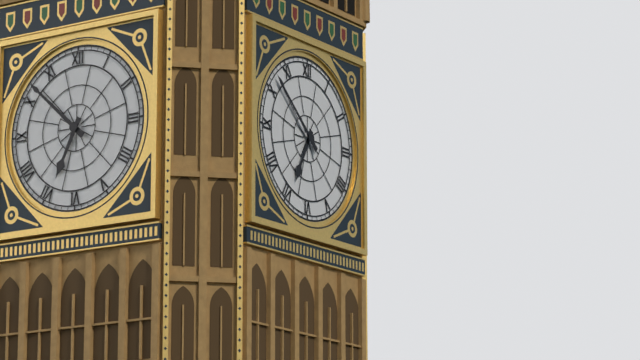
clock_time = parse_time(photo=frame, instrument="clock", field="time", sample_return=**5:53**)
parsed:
**6:52**
